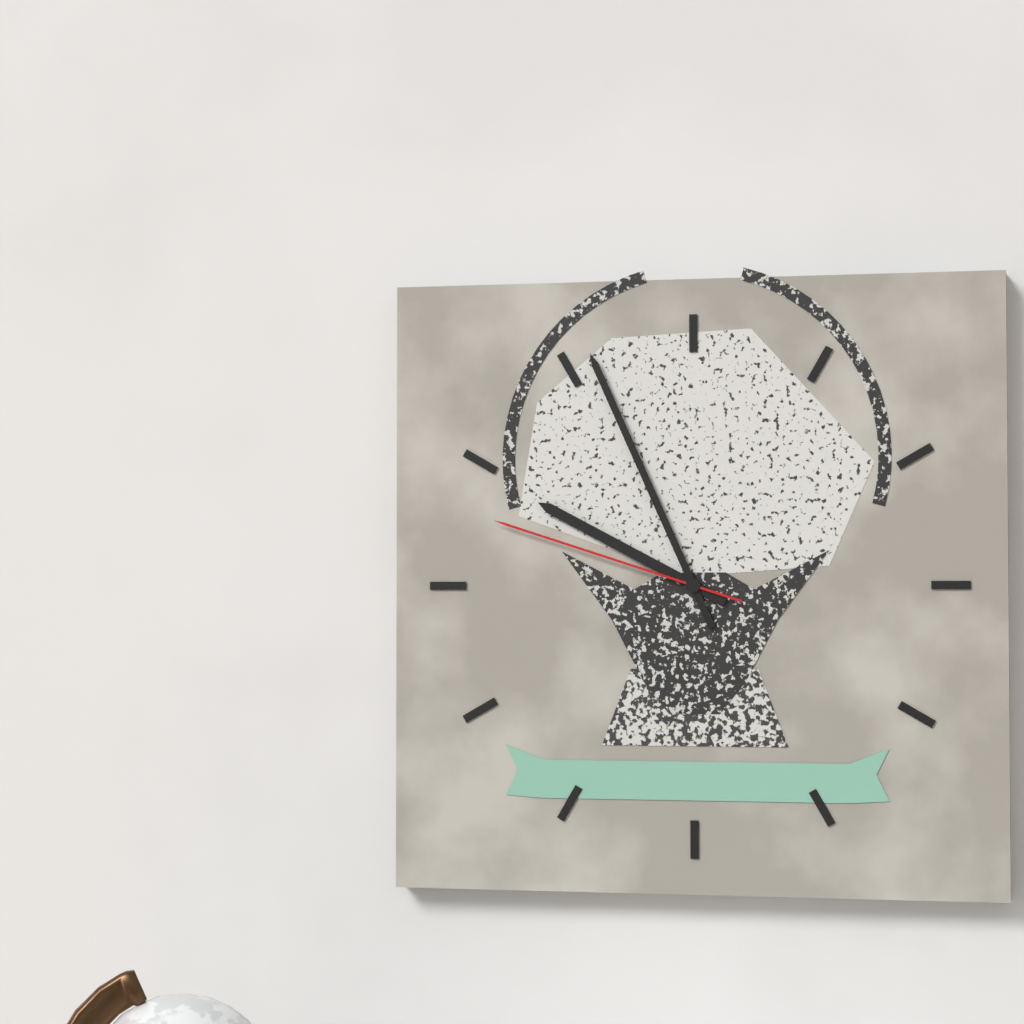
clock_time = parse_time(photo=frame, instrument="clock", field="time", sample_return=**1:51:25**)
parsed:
**9:56:48**
